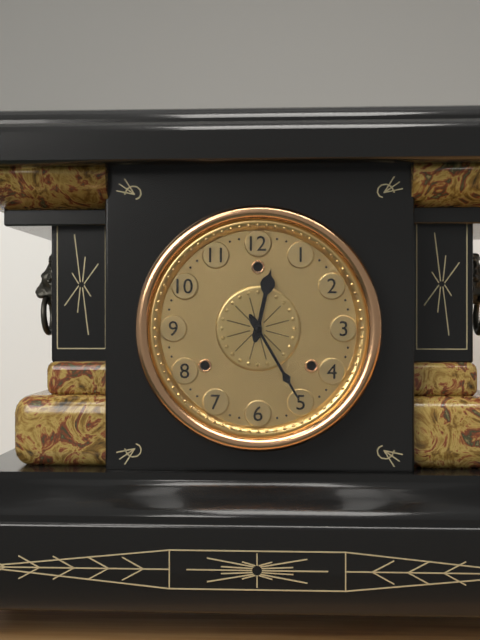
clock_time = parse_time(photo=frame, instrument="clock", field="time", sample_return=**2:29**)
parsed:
**12:25**
